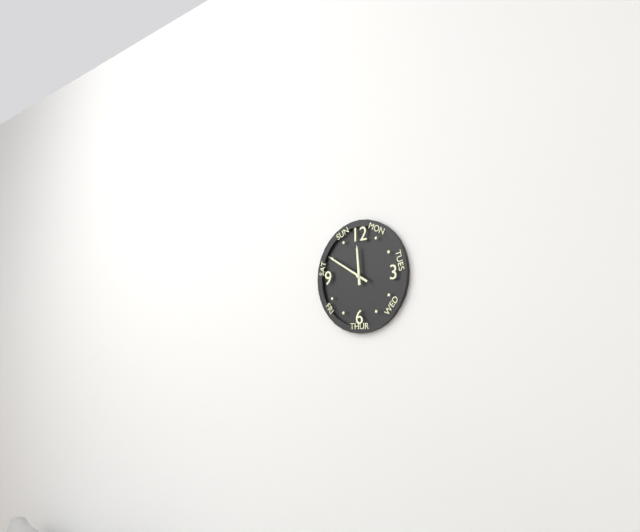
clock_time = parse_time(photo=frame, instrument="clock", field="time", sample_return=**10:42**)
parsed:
**11:50**
